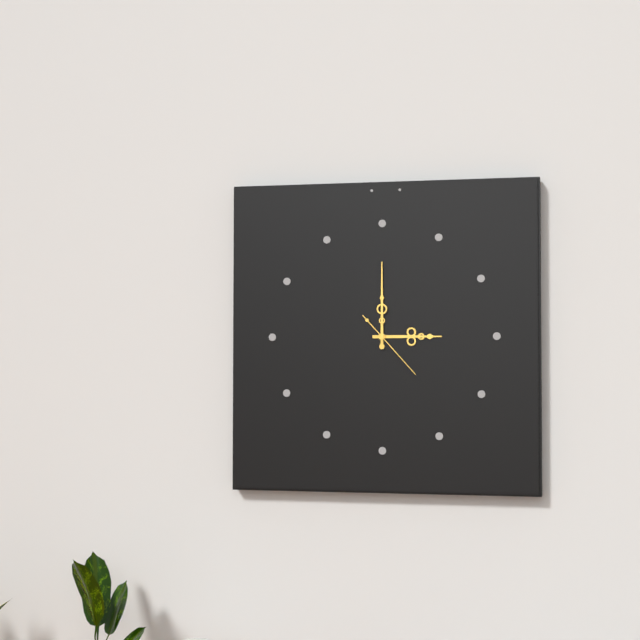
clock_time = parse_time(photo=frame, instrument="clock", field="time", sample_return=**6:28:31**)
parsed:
**3:00:23**
